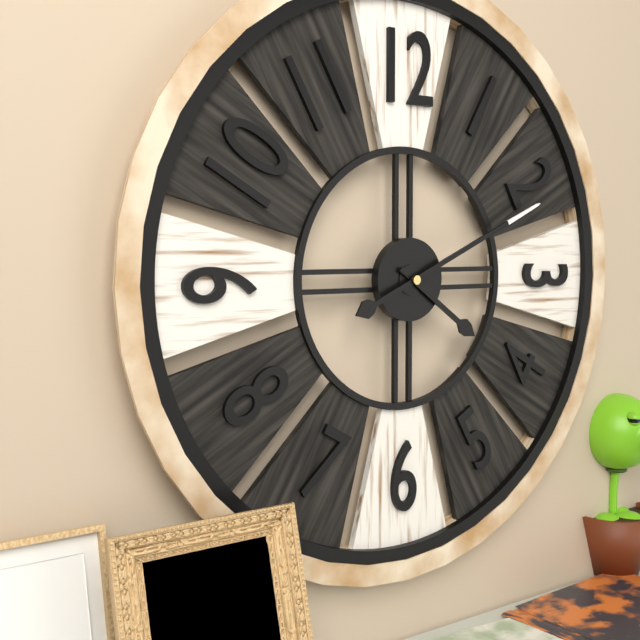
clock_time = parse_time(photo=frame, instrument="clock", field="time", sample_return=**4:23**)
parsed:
**4:11**
